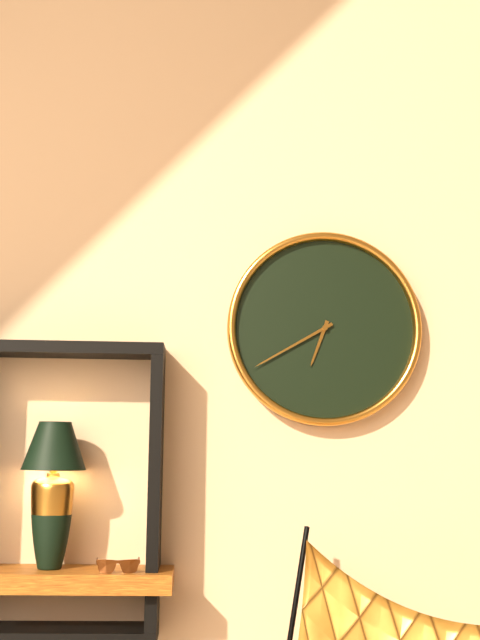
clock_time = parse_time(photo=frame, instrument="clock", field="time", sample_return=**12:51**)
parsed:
**6:40**
